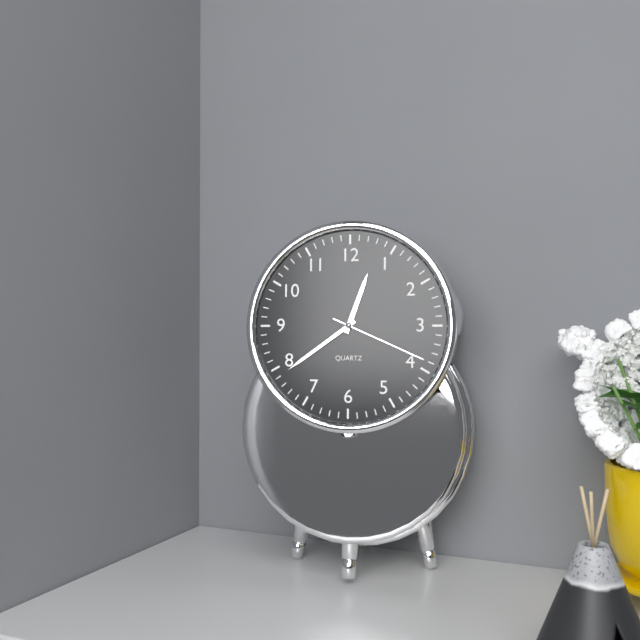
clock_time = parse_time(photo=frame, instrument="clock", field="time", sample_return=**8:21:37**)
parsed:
**12:39:19**
